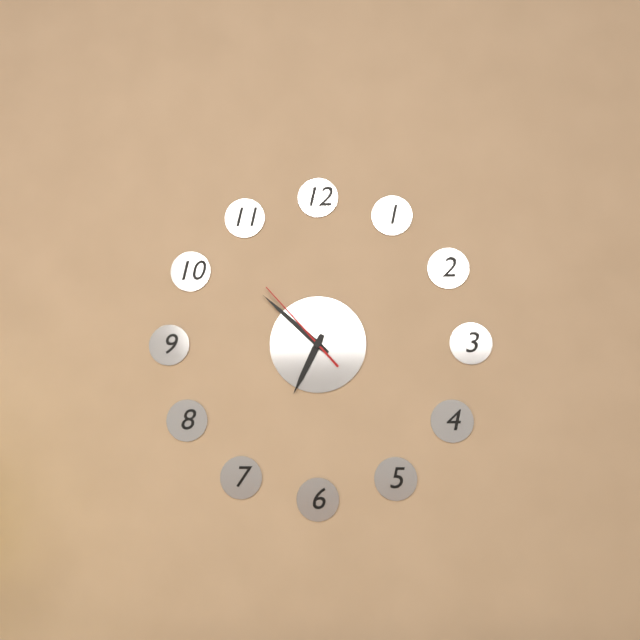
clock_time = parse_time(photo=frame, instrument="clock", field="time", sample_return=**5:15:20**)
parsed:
**6:52:53**
